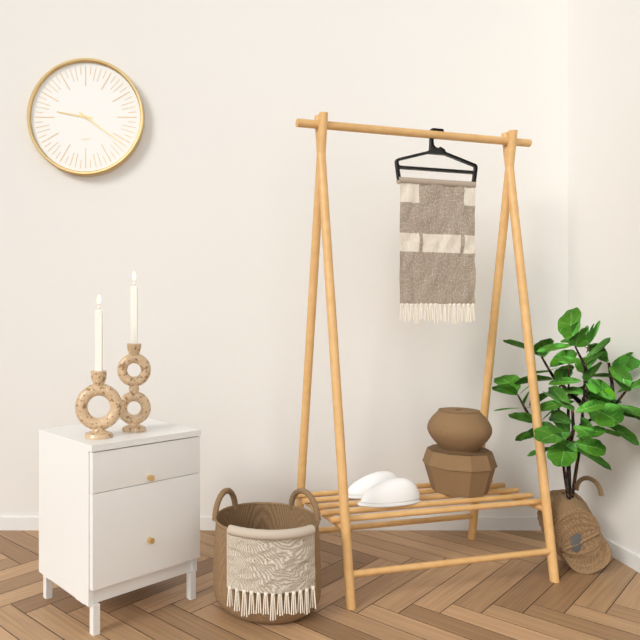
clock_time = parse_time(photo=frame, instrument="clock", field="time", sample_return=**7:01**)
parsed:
**9:21**
